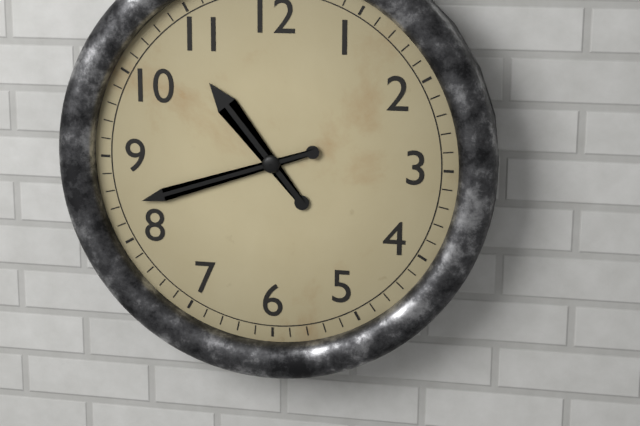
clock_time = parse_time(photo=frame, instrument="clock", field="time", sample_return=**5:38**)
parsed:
**10:42**
